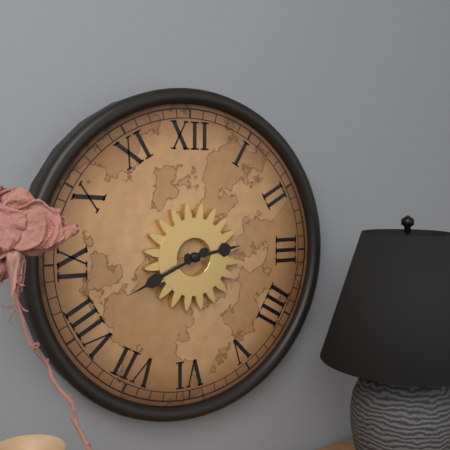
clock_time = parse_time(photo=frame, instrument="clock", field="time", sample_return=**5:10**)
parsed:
**2:41**
